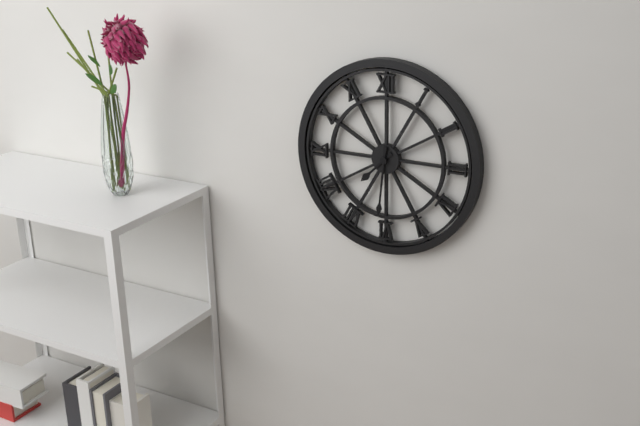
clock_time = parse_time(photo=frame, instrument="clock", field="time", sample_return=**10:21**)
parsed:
**7:31**
